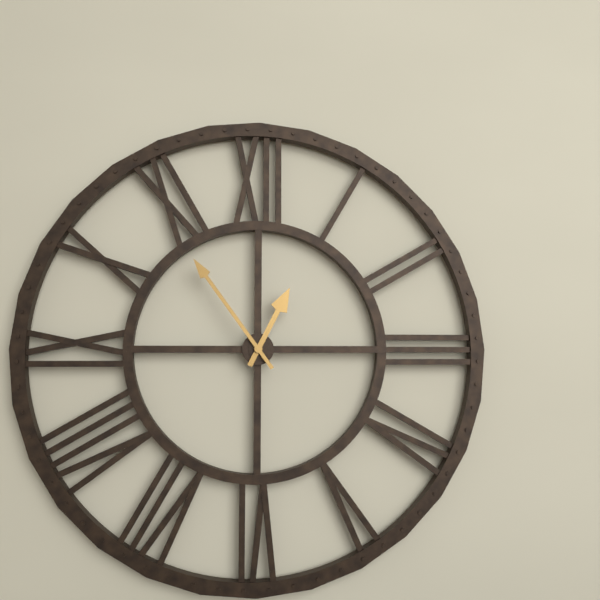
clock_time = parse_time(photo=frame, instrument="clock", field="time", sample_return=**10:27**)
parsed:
**12:54**
